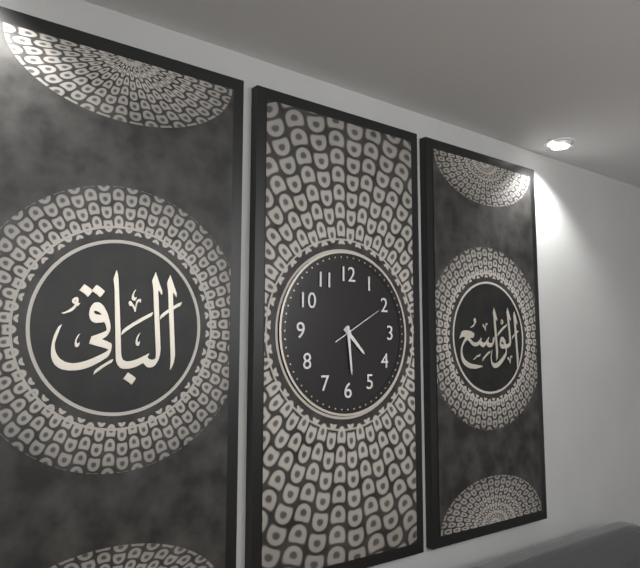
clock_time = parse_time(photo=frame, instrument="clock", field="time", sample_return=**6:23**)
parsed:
**4:29**
